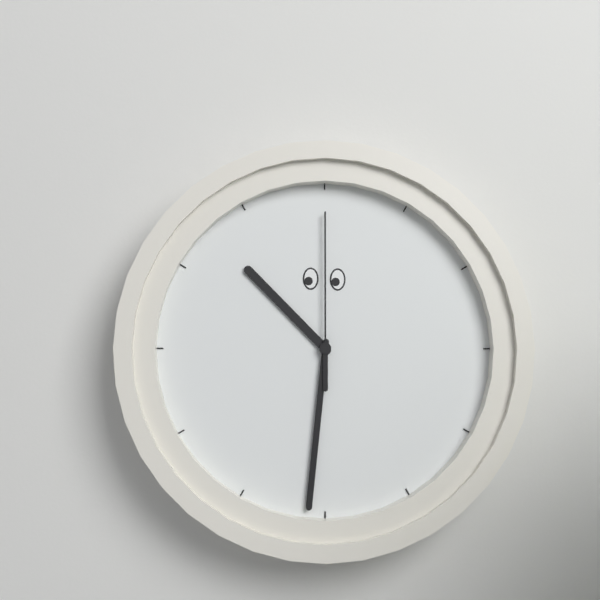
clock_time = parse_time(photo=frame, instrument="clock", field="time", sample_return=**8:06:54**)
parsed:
**10:31:00**
